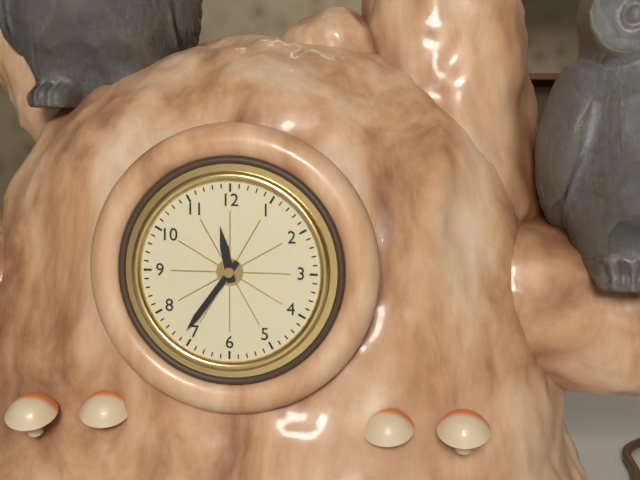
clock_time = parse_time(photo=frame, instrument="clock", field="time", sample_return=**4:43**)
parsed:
**11:36**
